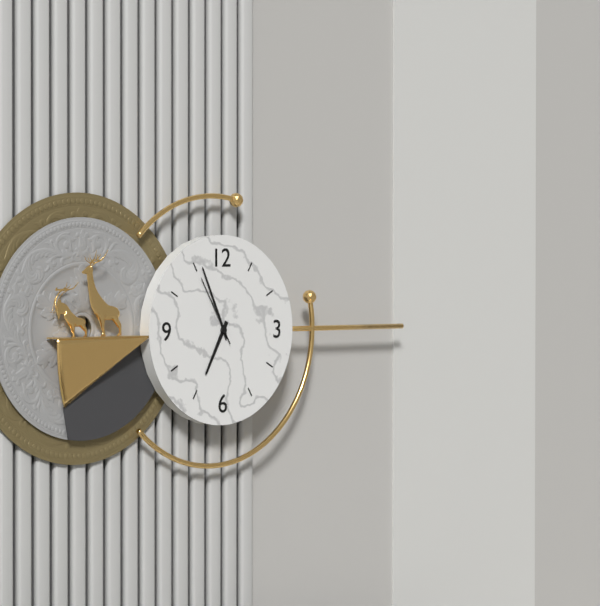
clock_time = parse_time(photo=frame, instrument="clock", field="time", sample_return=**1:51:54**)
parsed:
**6:56:55**
